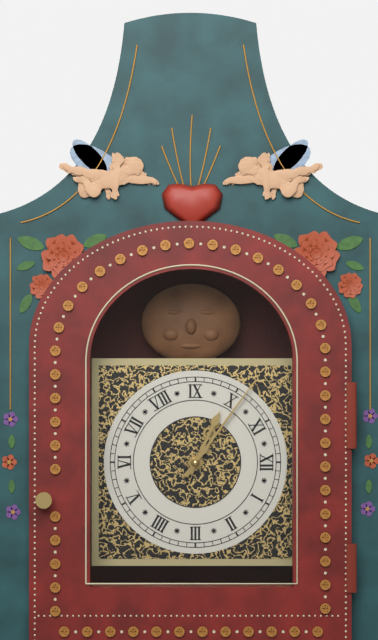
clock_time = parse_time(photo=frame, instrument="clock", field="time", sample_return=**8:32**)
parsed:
**9:51**
